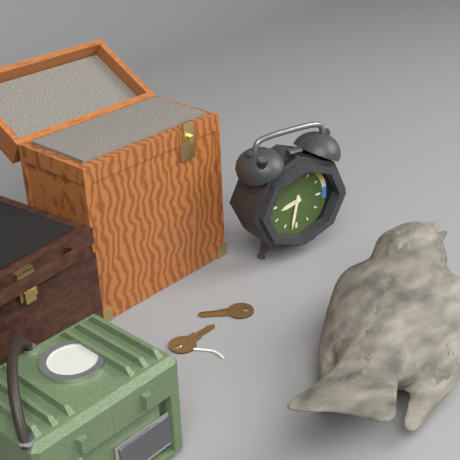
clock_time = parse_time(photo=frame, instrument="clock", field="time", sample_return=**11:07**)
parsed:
**8:32**
